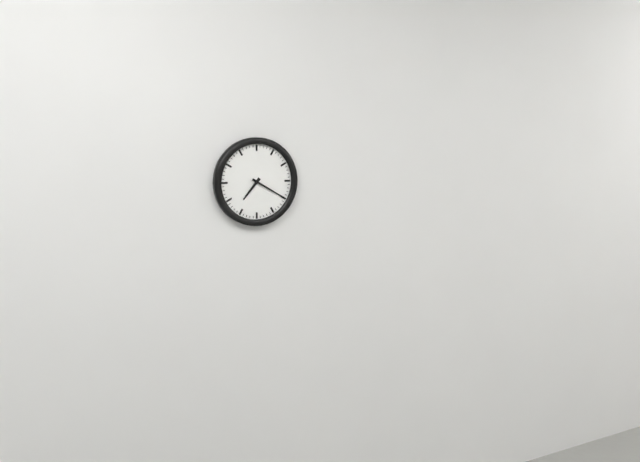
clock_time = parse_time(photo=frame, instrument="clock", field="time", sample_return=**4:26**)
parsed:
**7:20**
